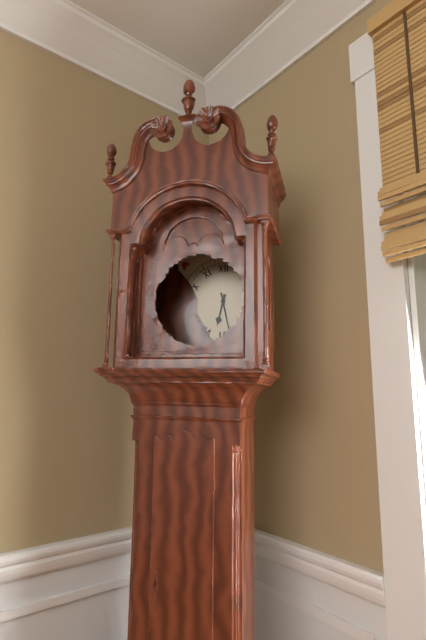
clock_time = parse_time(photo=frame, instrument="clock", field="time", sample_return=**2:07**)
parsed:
**6:28**
